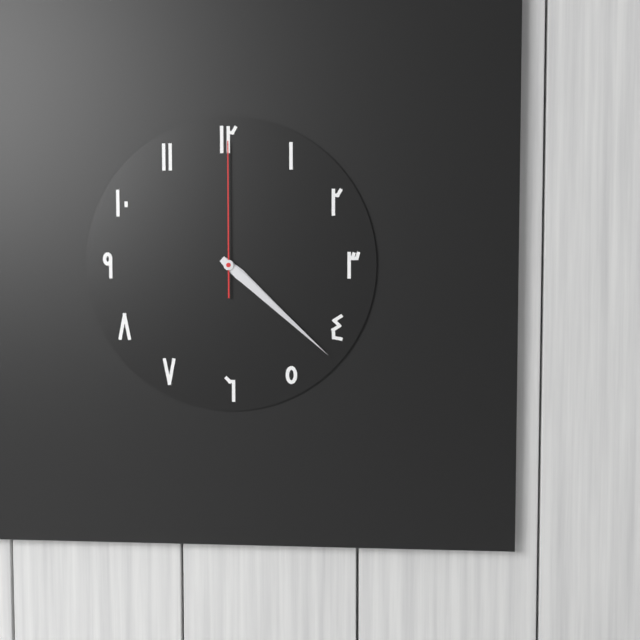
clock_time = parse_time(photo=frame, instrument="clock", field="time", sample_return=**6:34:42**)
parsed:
**4:22:00**
